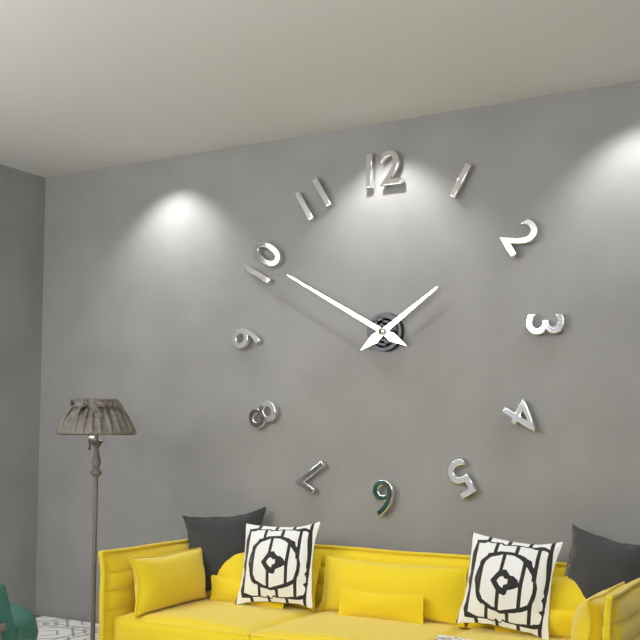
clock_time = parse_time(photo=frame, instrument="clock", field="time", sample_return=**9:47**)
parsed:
**1:50**
